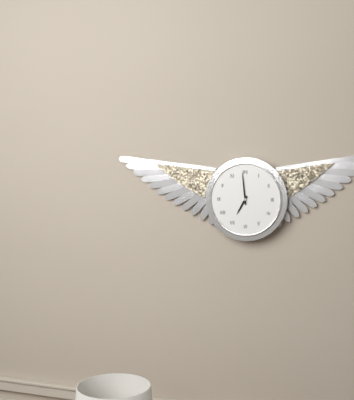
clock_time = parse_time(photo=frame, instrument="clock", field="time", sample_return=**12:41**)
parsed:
**6:59**
